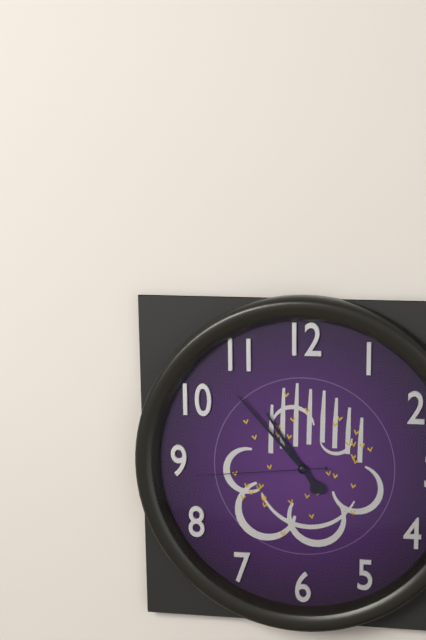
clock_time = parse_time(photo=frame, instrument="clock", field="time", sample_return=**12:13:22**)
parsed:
**10:53:44**
